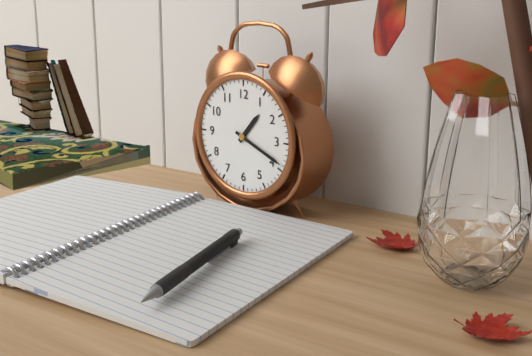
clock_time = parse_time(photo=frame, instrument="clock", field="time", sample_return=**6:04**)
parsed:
**1:19**
